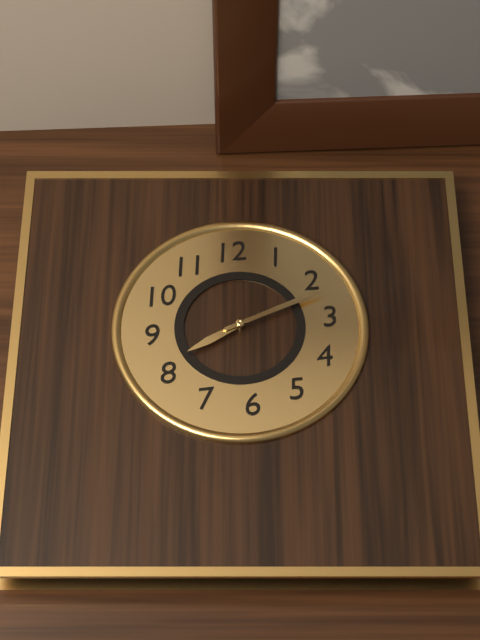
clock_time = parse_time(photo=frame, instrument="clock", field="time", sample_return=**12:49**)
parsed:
**8:12**
